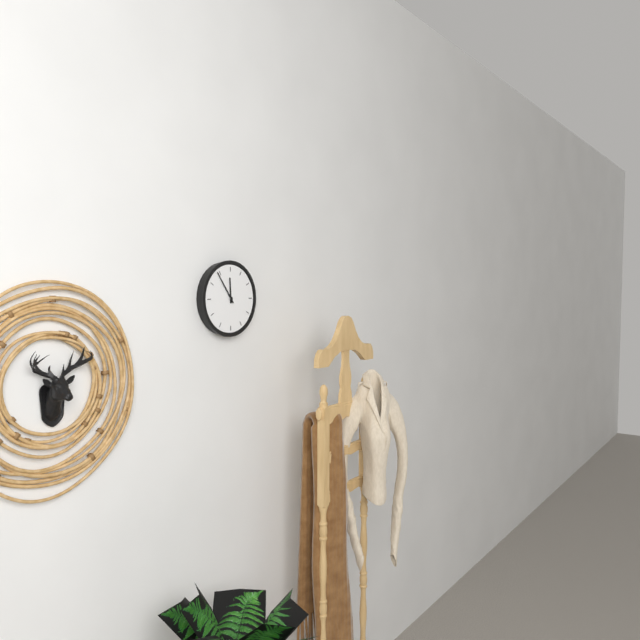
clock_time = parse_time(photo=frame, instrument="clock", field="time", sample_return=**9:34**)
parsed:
**11:54**
